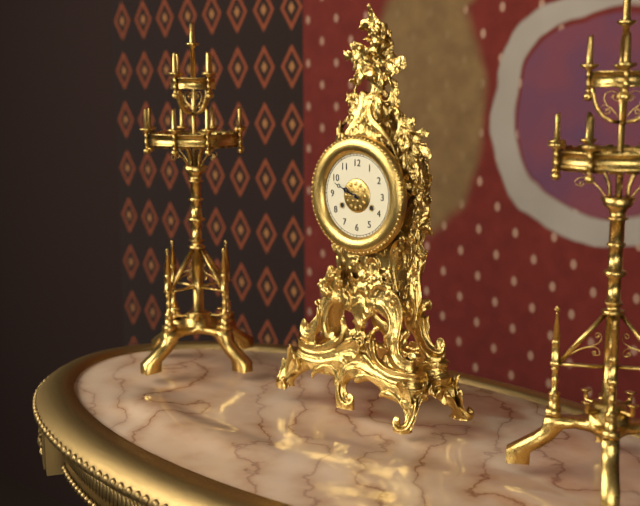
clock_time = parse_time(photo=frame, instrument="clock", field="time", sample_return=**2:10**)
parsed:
**9:49**
